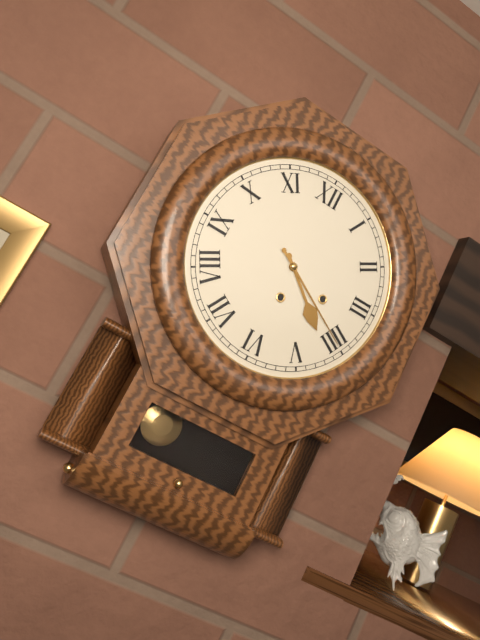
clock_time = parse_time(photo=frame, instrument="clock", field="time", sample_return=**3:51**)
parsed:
**4:20**
